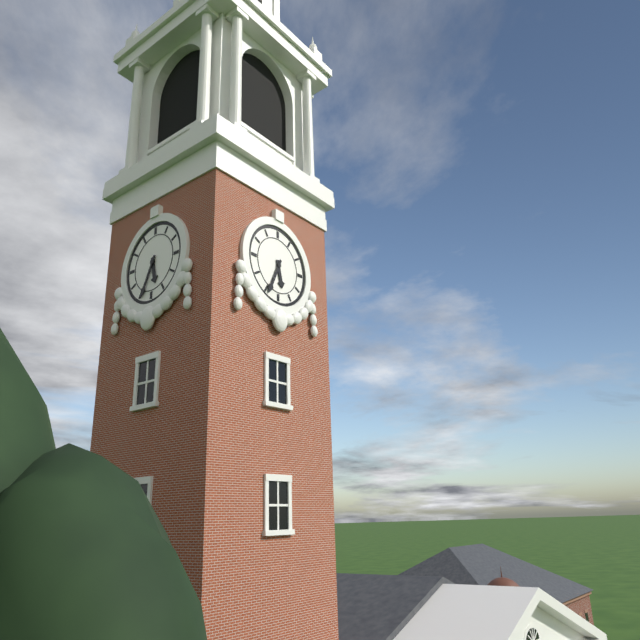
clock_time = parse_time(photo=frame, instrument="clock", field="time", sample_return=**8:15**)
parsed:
**5:34**
